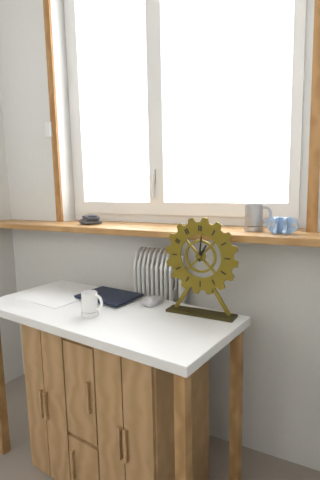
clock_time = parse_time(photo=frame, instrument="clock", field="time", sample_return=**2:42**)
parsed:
**1:01**
